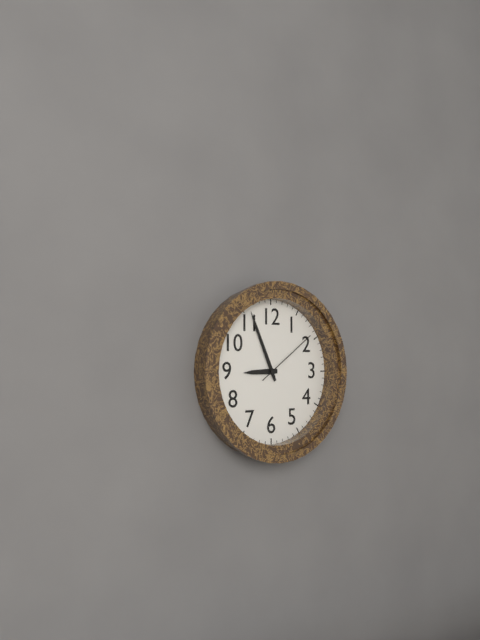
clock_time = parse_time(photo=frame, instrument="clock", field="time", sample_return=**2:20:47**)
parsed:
**8:56:09**
